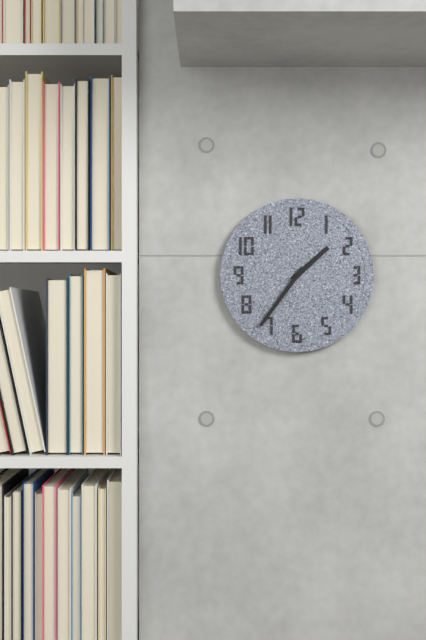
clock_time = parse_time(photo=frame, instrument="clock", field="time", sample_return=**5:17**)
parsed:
**1:36**
